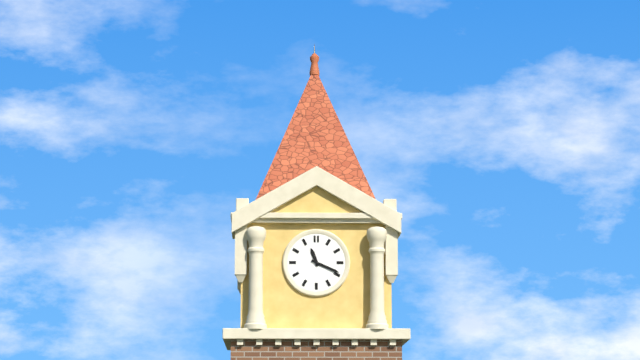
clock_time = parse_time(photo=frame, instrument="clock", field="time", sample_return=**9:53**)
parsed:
**11:19**
